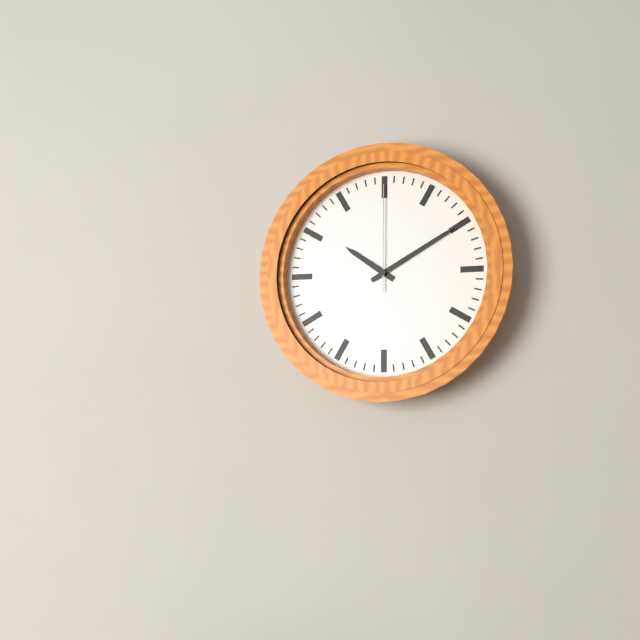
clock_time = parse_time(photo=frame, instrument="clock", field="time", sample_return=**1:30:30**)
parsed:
**10:10:00**
